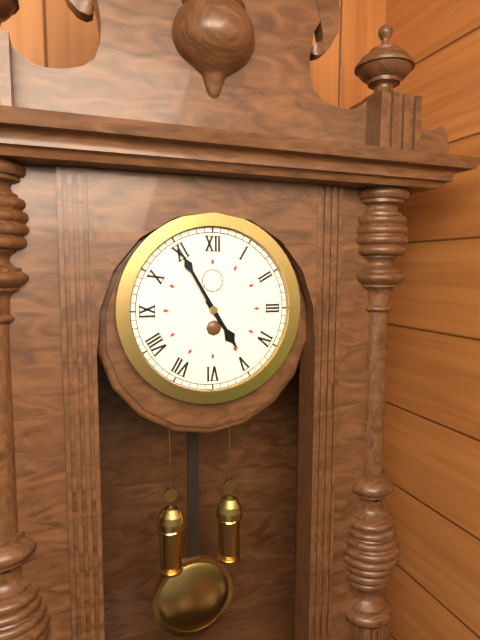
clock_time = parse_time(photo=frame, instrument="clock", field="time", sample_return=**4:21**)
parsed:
**4:55**
